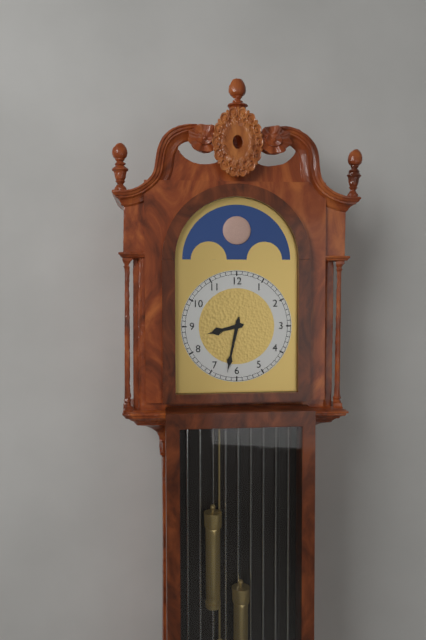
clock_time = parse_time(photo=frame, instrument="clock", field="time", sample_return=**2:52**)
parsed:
**8:32**
